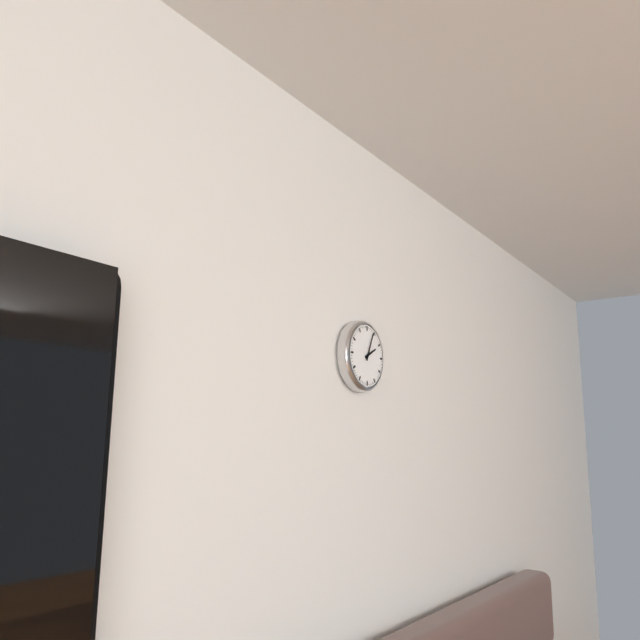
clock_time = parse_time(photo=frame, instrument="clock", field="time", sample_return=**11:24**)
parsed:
**2:04**
